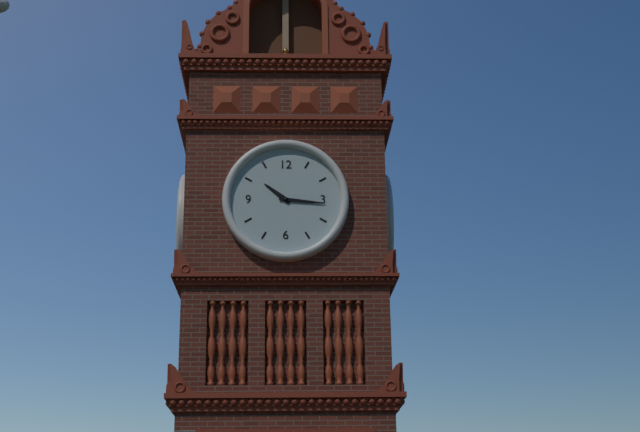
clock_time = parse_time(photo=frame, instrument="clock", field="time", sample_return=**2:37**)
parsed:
**10:16**
